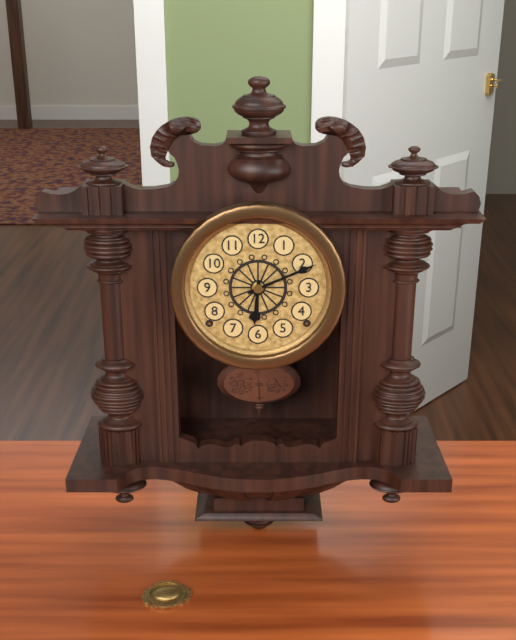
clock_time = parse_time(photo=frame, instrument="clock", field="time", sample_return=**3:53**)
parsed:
**6:11**
